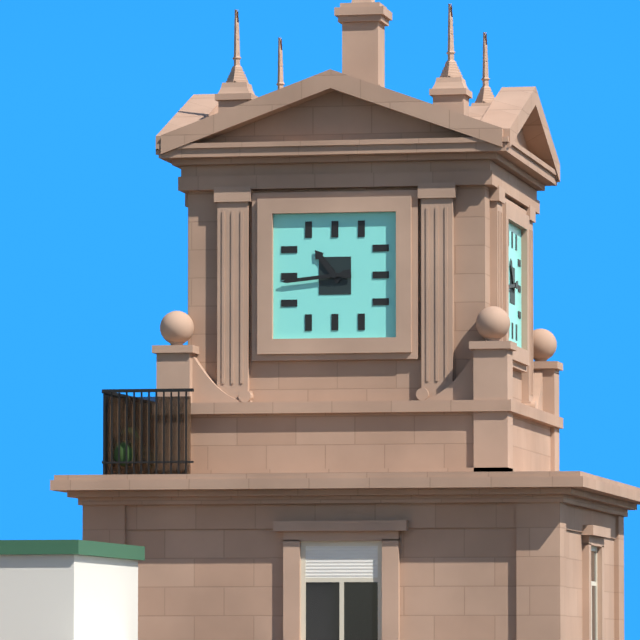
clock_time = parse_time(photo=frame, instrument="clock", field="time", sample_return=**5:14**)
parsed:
**10:44**
